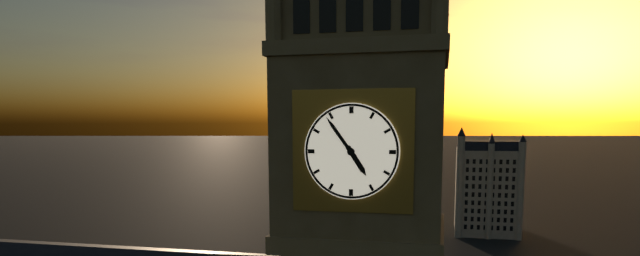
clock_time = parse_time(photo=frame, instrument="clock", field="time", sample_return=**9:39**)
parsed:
**4:54**
